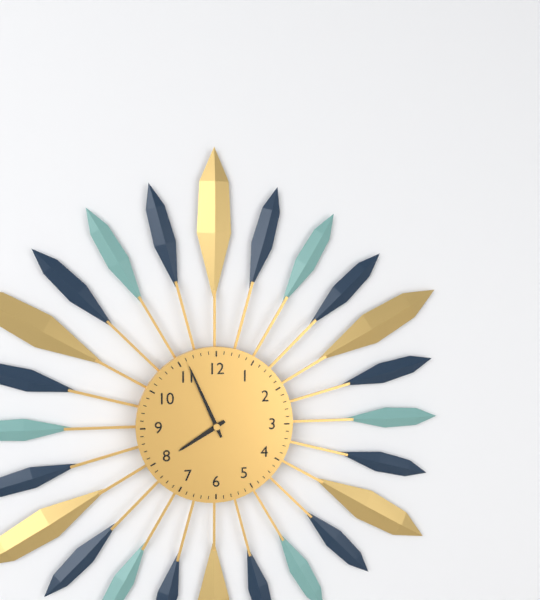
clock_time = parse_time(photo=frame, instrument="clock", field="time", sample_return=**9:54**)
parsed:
**7:56**
